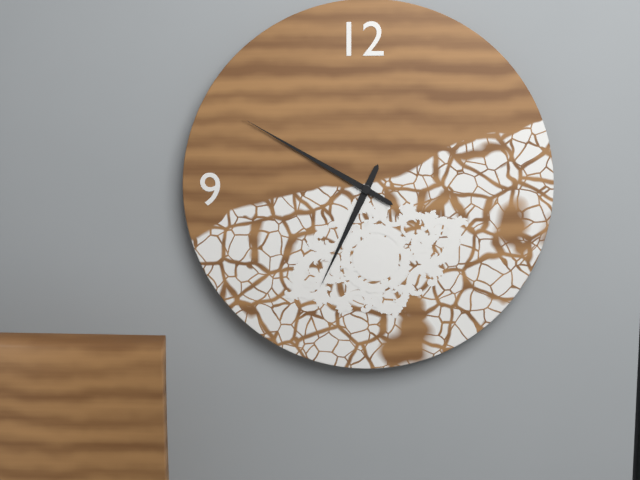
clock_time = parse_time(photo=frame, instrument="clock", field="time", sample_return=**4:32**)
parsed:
**6:50**
